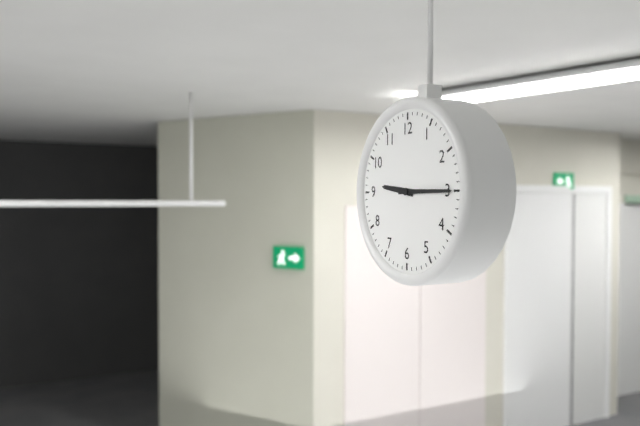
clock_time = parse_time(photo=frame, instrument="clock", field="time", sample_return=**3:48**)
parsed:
**9:15**
